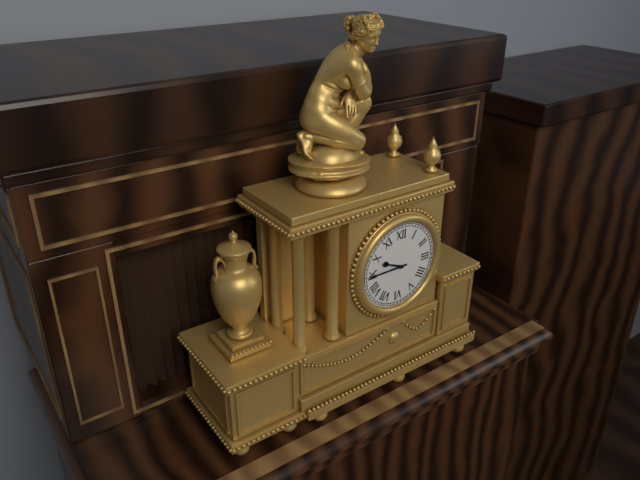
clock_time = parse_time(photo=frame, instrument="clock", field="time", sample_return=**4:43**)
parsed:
**9:45**
